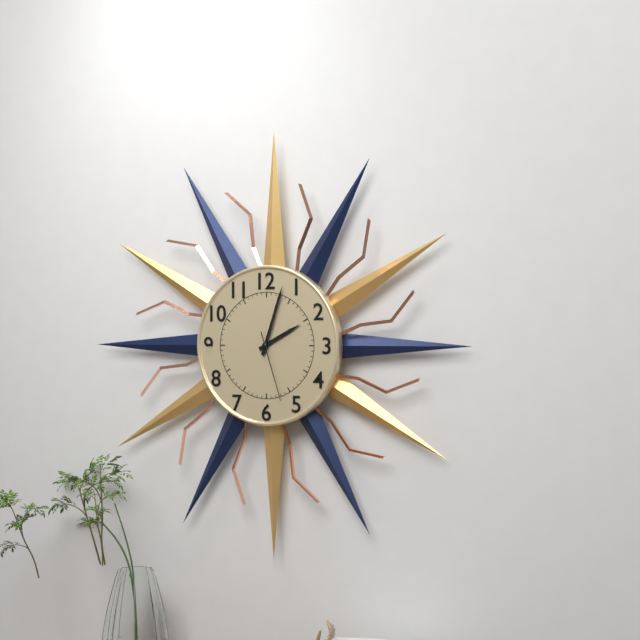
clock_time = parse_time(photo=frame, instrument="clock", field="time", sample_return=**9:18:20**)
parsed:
**2:03:27**
